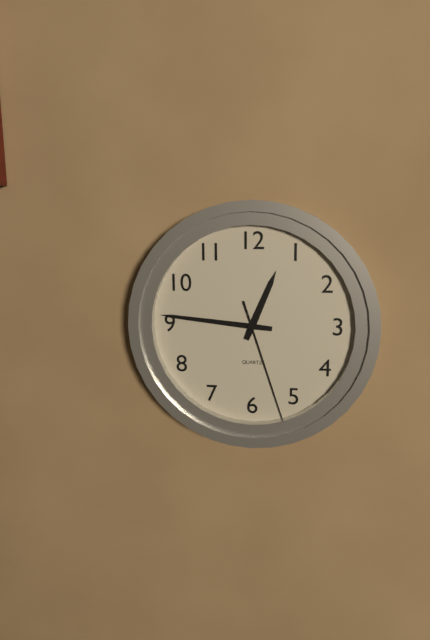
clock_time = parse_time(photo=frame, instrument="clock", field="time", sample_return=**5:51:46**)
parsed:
**12:46:27**
